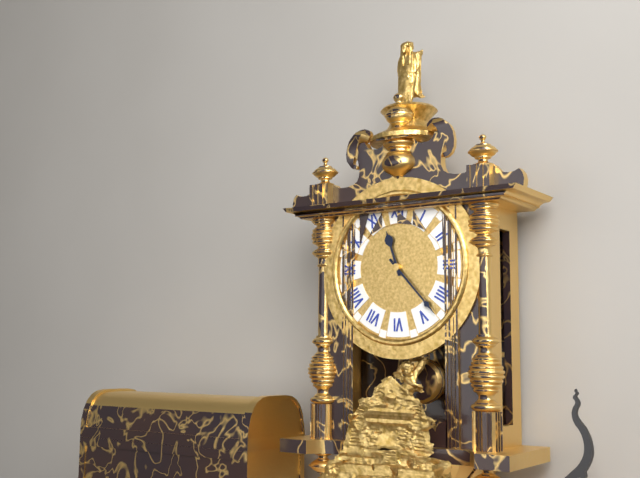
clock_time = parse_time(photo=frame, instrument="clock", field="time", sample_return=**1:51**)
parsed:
**11:23**
